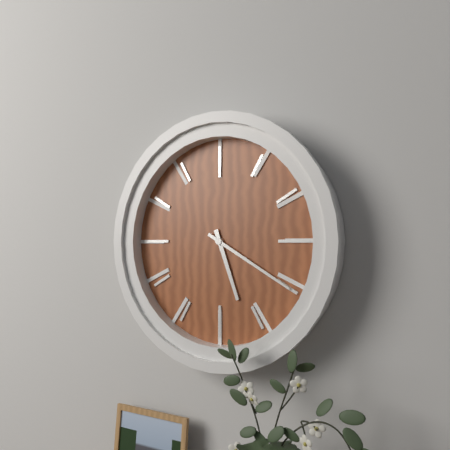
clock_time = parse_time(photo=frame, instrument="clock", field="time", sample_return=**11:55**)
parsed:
**5:20**
